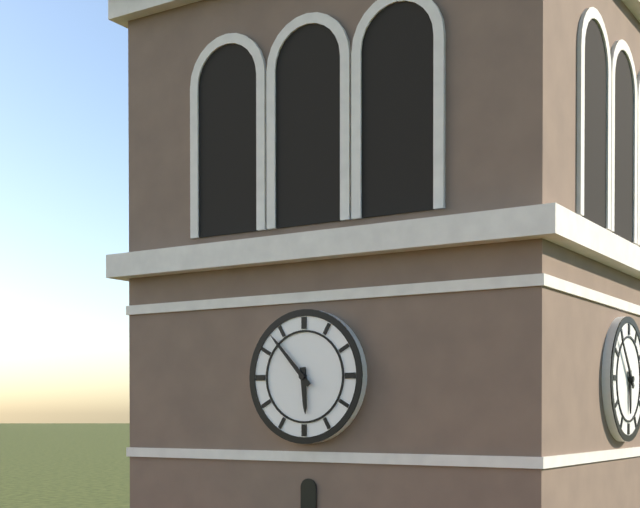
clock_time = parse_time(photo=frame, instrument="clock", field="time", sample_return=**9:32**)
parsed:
**5:53**
